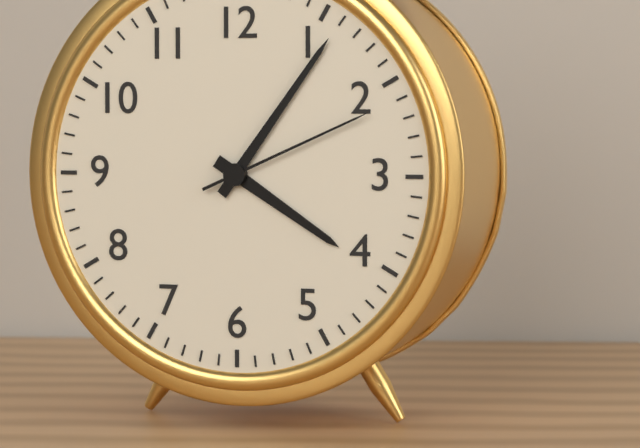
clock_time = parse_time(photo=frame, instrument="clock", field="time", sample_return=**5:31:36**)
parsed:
**4:06:11**
